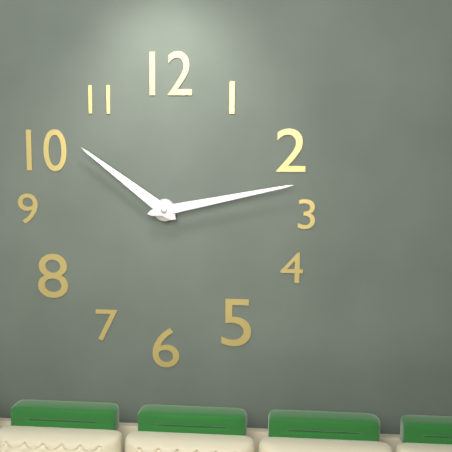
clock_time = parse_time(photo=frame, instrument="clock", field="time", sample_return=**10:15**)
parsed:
**10:13**
